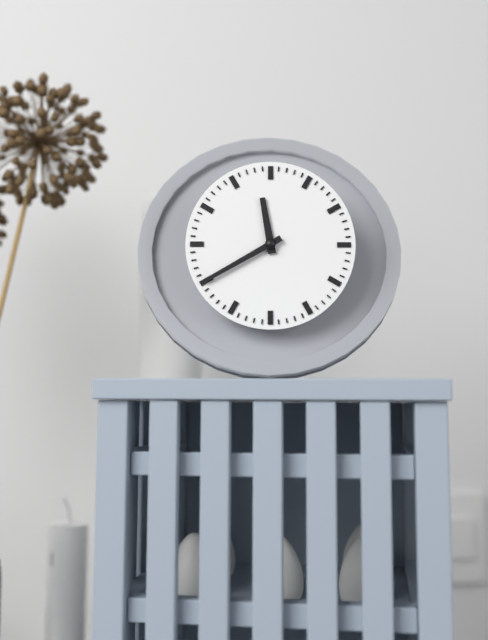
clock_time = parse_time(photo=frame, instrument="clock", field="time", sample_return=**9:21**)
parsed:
**11:40**
